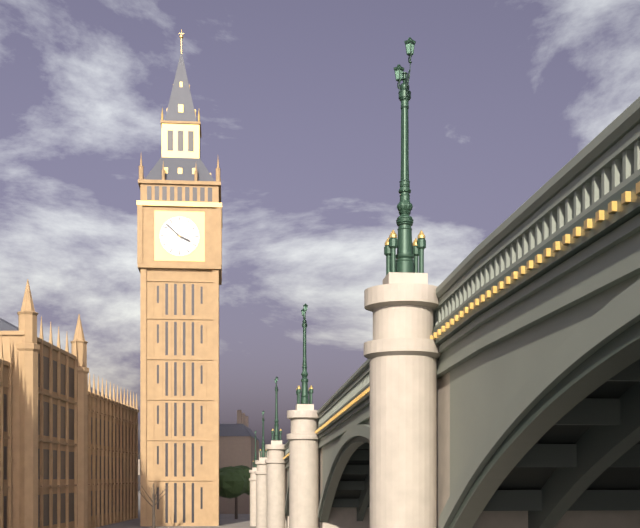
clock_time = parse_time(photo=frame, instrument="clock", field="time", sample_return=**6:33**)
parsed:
**3:52**
